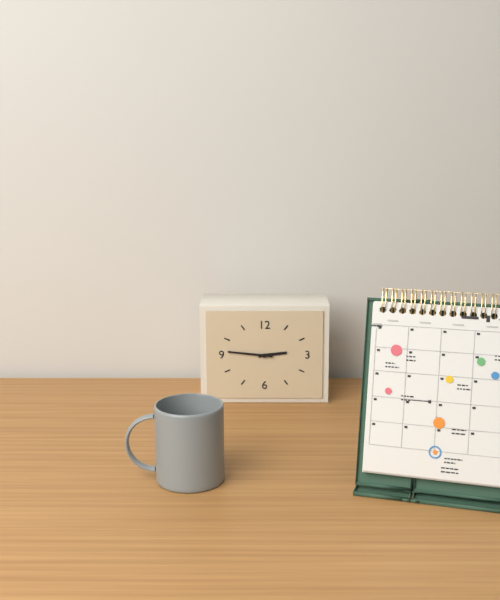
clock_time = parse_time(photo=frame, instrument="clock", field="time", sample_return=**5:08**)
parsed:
**2:46**
